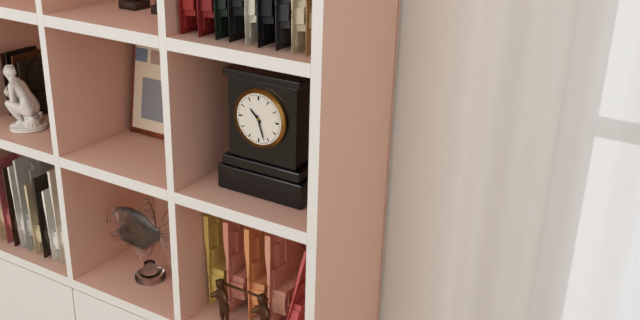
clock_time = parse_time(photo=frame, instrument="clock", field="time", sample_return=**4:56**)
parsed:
**10:27**
